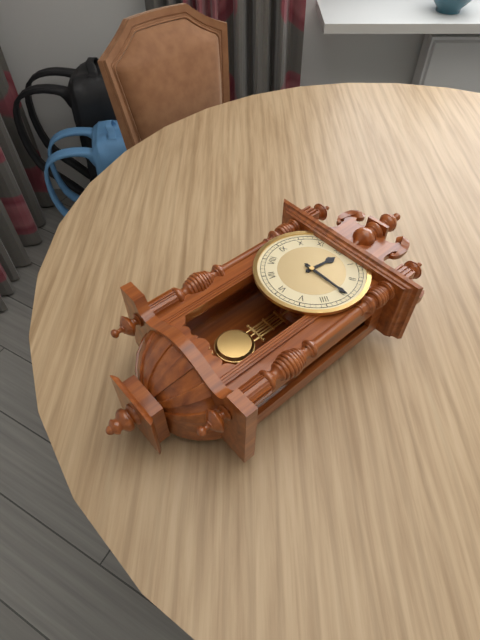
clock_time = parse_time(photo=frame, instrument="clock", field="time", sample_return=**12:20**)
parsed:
**12:15**
